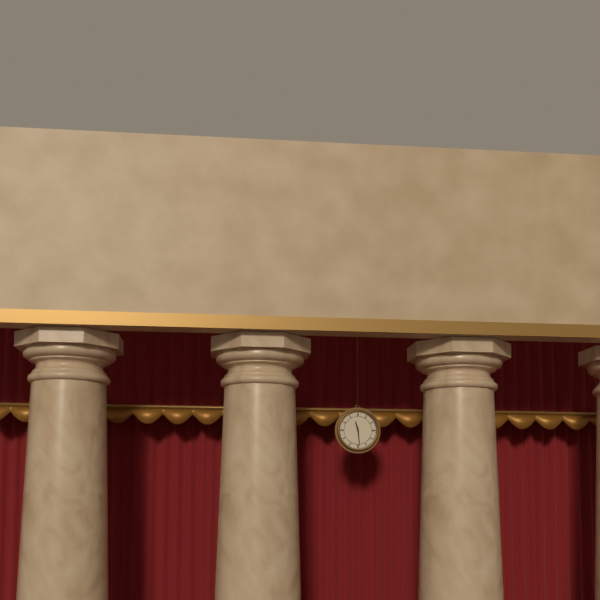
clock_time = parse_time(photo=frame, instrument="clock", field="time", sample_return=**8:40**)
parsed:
**11:29**
